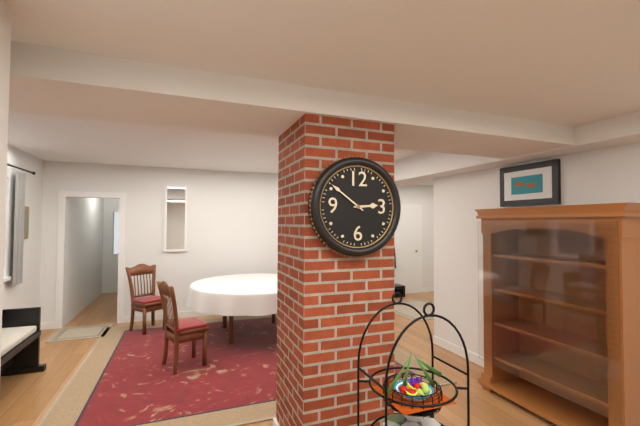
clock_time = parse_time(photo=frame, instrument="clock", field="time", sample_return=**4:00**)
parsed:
**2:51**
